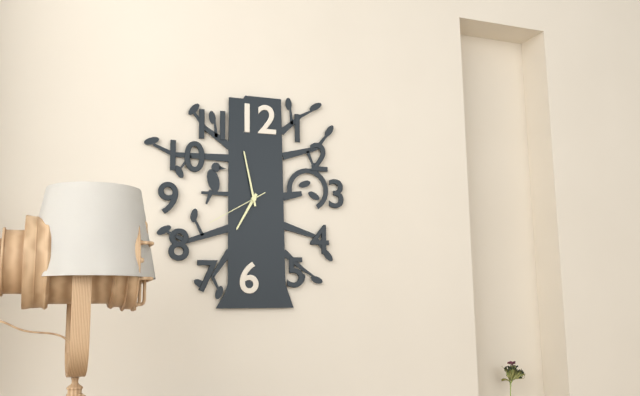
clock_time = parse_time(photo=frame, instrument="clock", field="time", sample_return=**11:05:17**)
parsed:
**6:58:40**
